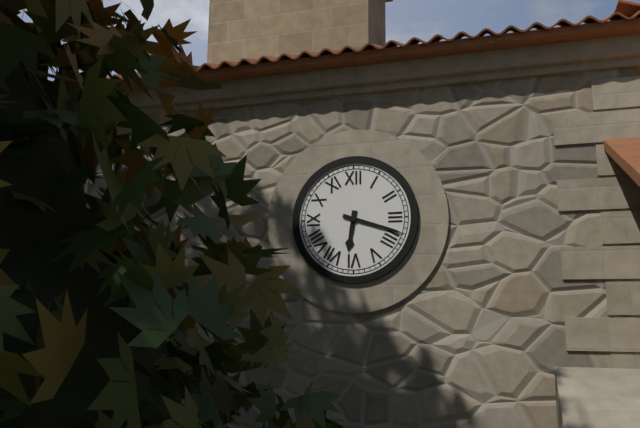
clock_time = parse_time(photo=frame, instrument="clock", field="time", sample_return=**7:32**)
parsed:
**6:18**
